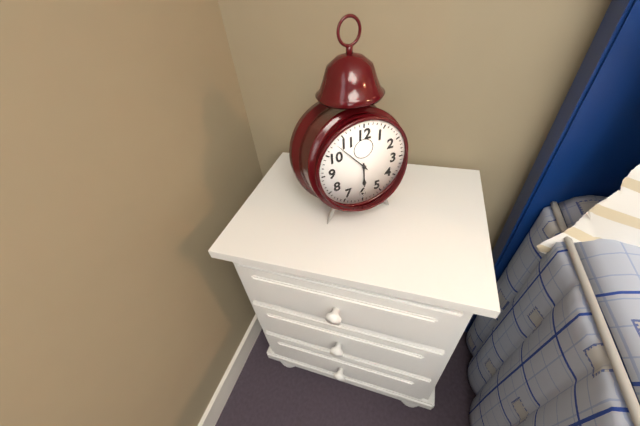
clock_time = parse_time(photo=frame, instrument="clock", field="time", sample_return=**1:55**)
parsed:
**5:53**
